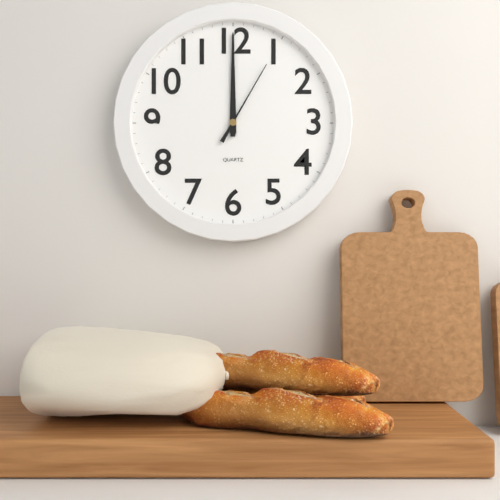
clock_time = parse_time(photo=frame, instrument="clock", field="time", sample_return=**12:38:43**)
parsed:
**12:00:05**
